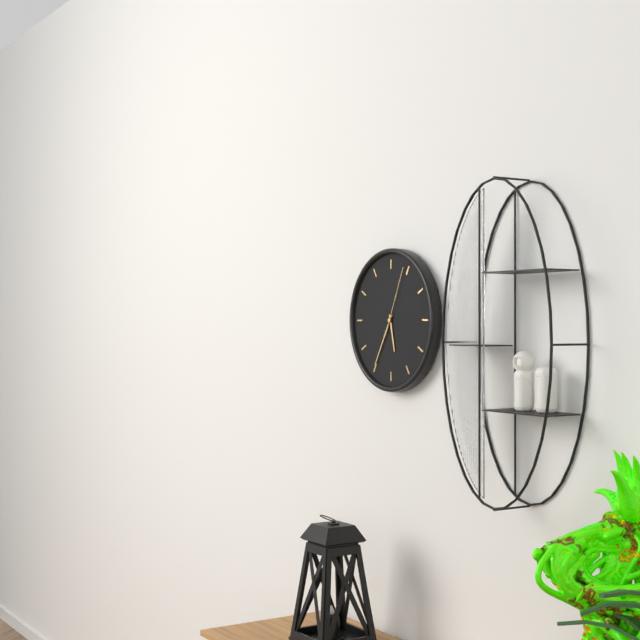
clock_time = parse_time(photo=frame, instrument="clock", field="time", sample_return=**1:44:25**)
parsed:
**5:35:04**
